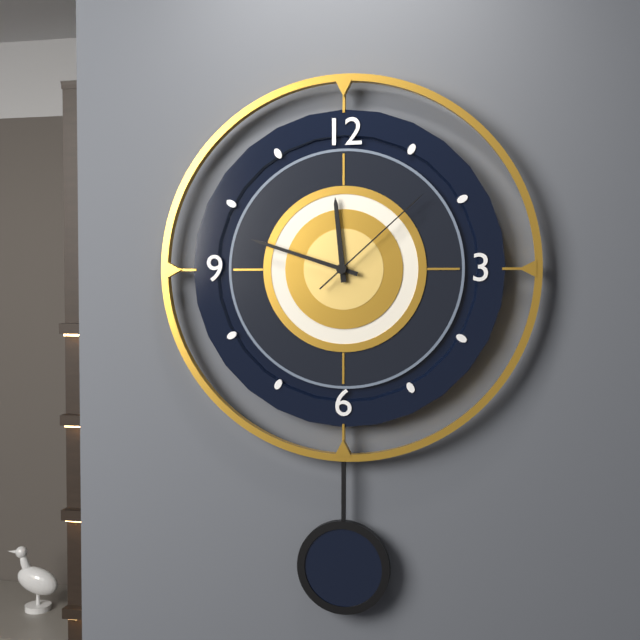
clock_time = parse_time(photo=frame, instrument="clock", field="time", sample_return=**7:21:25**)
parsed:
**11:48:08**
